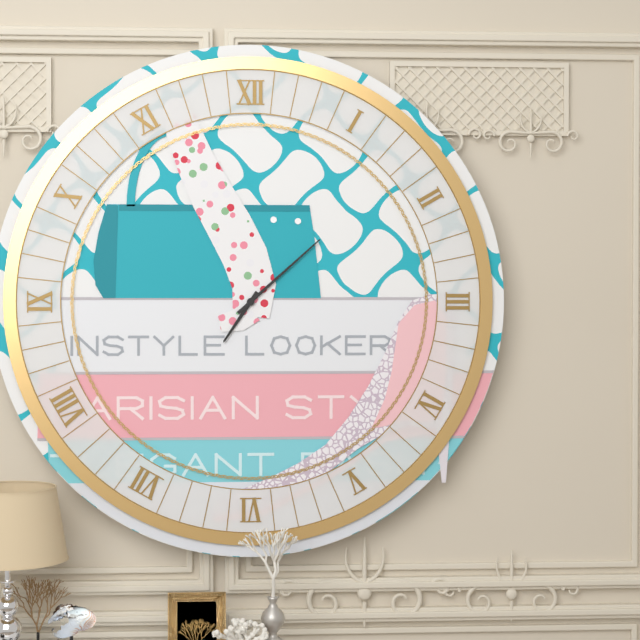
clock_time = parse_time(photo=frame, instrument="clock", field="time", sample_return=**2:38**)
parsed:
**7:08**
